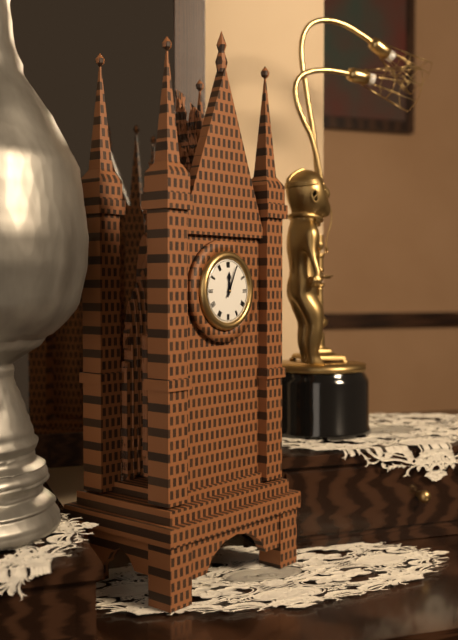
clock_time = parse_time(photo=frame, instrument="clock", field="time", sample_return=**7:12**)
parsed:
**12:04**
